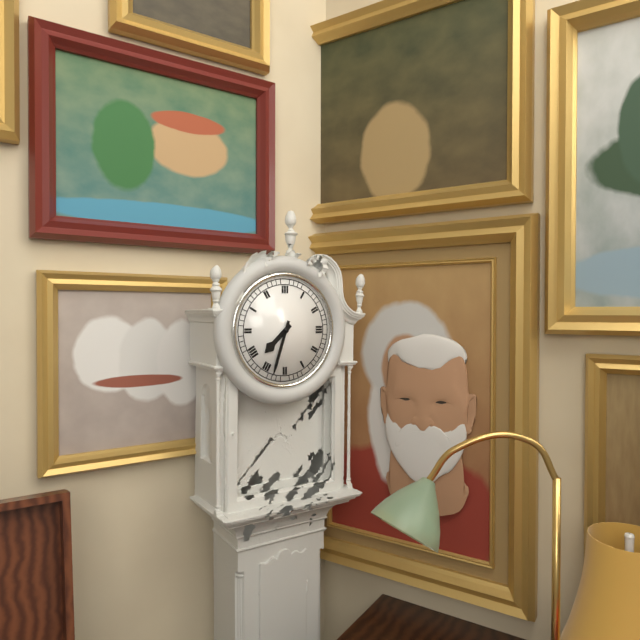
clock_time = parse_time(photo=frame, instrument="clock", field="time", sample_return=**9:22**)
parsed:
**7:33**
